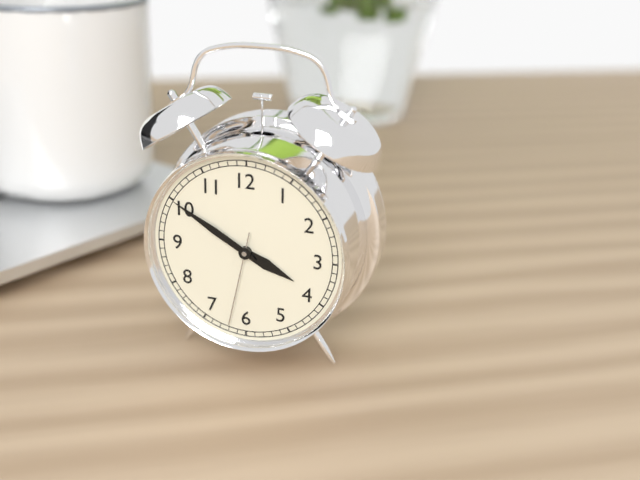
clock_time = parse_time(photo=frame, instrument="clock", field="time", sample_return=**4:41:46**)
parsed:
**3:50:32**
